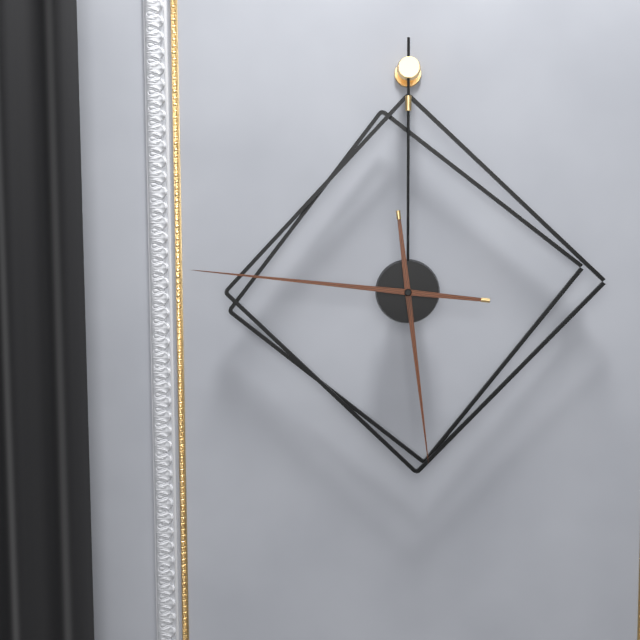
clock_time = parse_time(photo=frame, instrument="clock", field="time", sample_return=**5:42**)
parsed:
**5:46**
